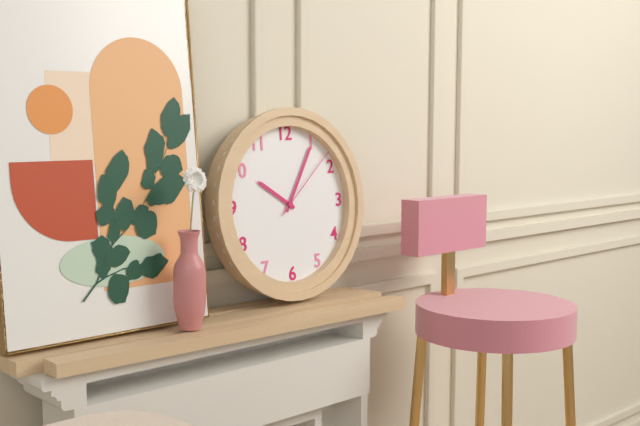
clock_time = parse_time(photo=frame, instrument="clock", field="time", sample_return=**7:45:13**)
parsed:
**10:05:08**
